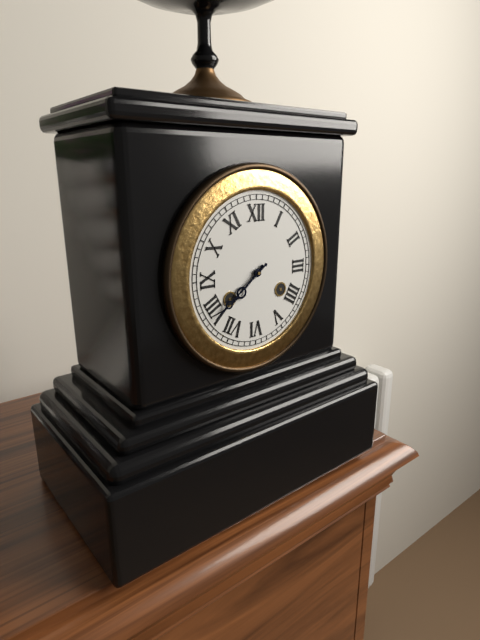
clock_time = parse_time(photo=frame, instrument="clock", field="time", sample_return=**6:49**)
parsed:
**7:39**
